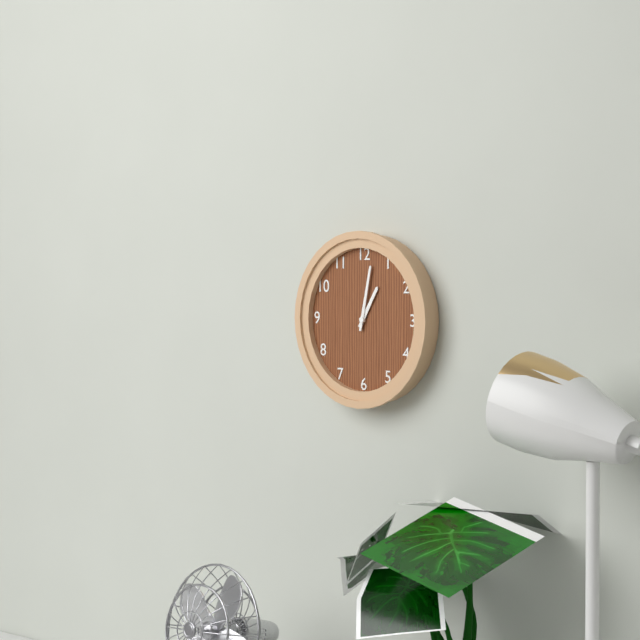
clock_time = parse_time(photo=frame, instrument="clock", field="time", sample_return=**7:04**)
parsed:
**1:02**
